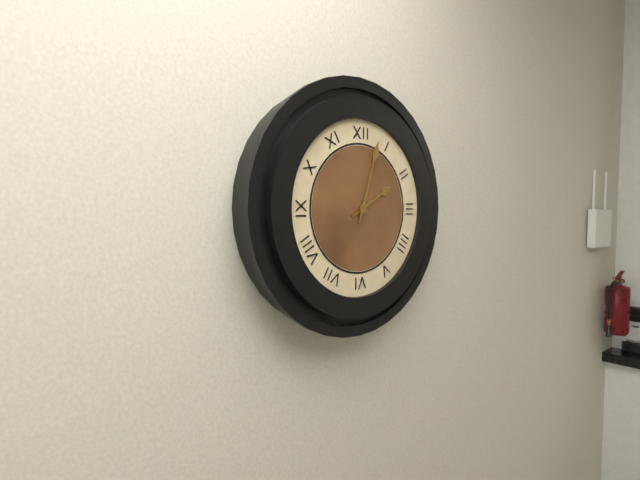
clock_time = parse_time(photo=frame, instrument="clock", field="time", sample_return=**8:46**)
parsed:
**2:03**
